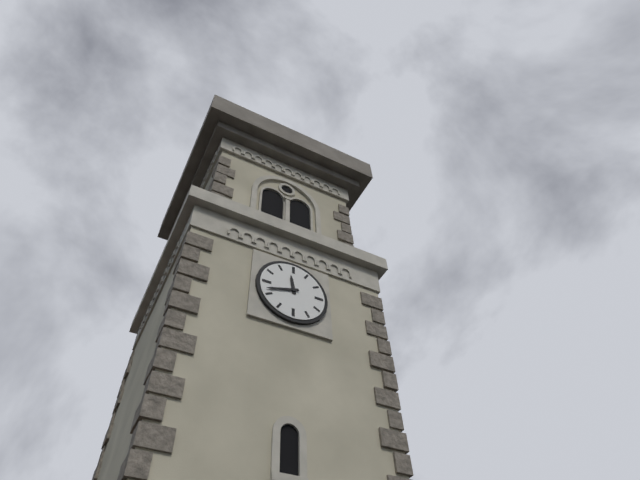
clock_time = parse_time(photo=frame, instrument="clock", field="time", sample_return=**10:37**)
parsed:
**11:42**
